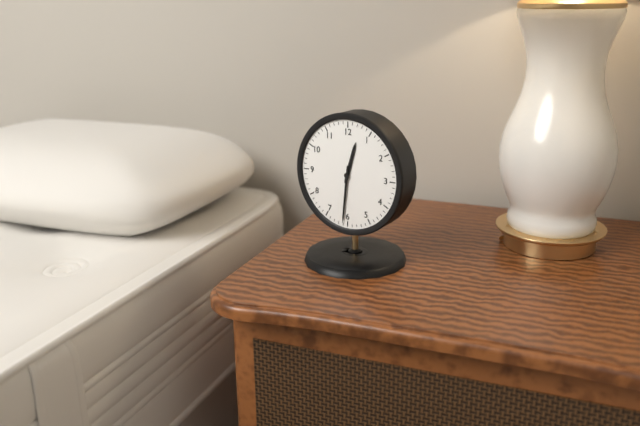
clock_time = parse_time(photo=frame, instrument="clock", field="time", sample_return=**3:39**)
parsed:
**12:31**
